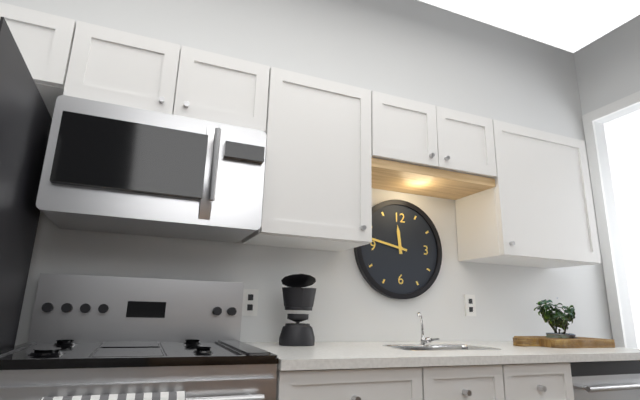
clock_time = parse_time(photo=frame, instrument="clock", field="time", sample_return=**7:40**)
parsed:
**11:47**
